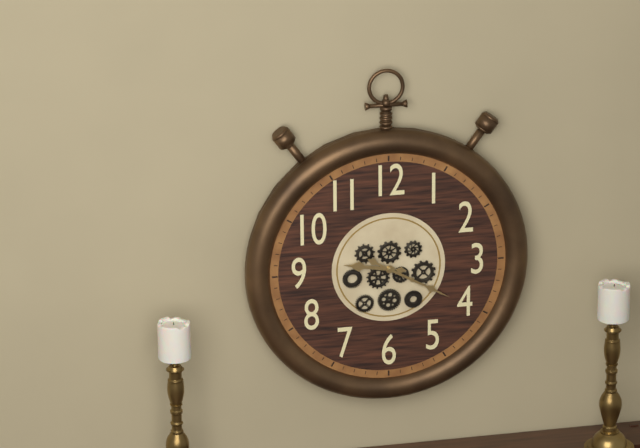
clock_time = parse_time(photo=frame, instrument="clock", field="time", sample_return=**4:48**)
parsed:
**9:20**
